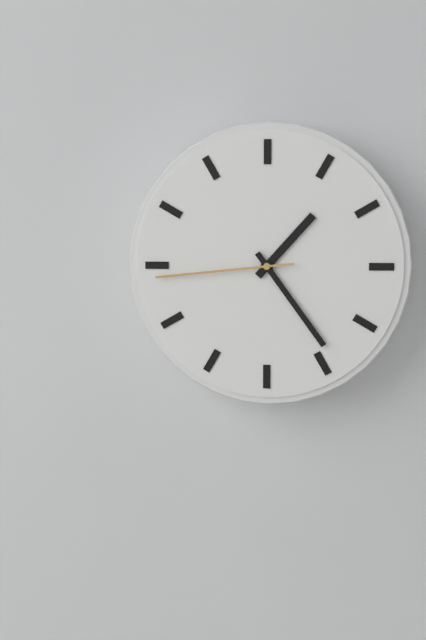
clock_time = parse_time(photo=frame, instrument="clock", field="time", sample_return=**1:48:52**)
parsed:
**1:24:44**
